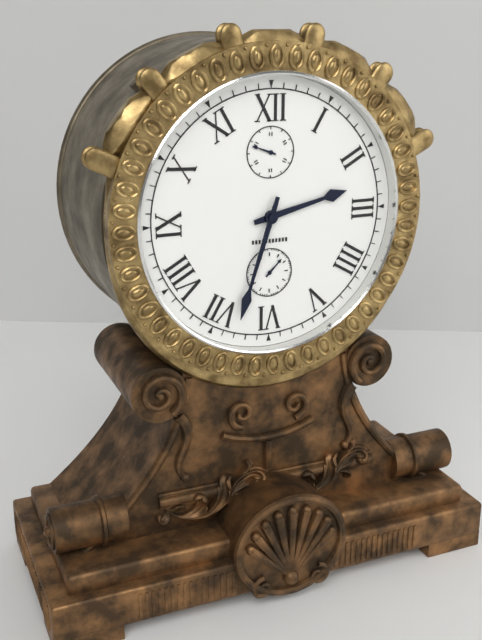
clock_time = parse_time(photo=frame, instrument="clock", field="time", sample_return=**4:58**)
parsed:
**2:33**
